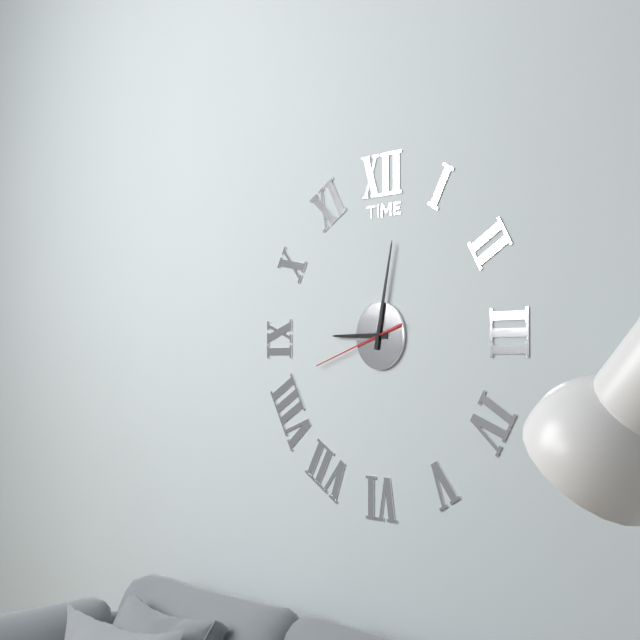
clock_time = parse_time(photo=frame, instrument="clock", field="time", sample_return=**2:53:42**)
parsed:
**9:02:42**
